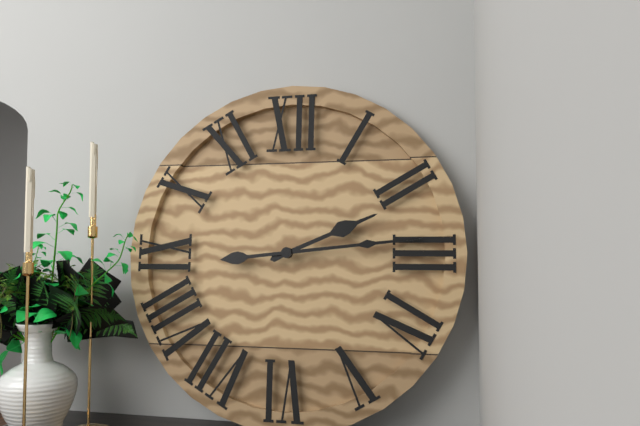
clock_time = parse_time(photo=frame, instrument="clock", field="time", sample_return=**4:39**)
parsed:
**2:14**
